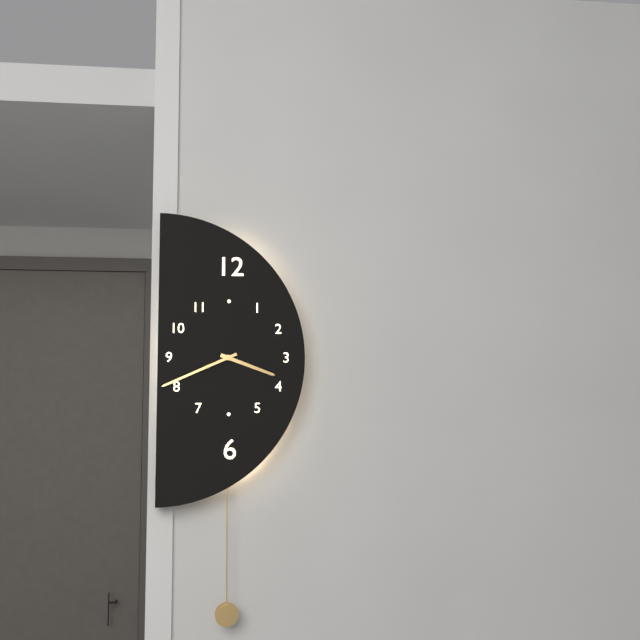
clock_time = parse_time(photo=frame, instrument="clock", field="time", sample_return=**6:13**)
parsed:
**3:41**
